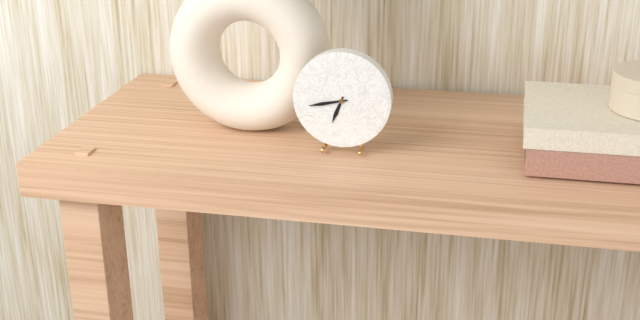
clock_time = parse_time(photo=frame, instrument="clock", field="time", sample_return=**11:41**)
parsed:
**6:43**
